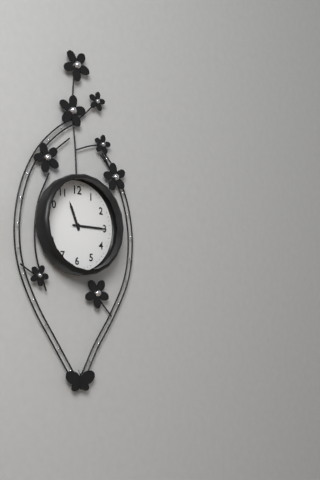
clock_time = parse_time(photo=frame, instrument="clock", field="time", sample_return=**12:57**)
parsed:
**11:15**
